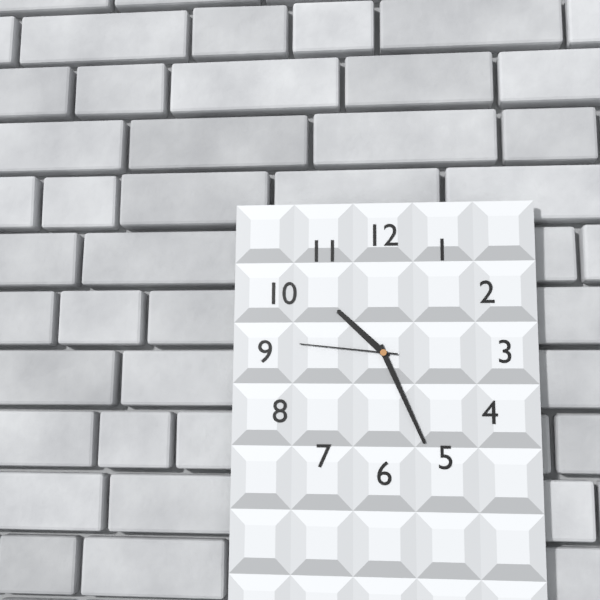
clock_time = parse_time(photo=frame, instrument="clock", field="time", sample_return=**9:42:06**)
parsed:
**10:26:46**
